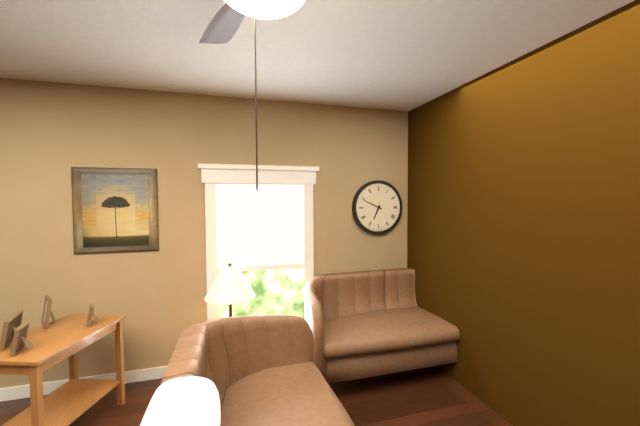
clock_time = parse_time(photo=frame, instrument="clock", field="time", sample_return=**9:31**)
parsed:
**6:49**
